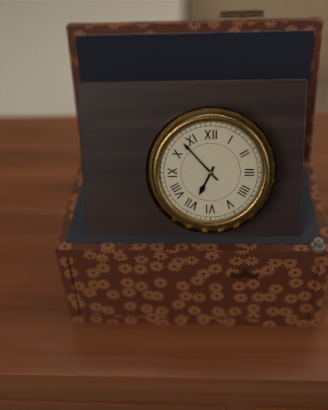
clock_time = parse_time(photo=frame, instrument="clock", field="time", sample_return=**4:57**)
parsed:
**6:53**
